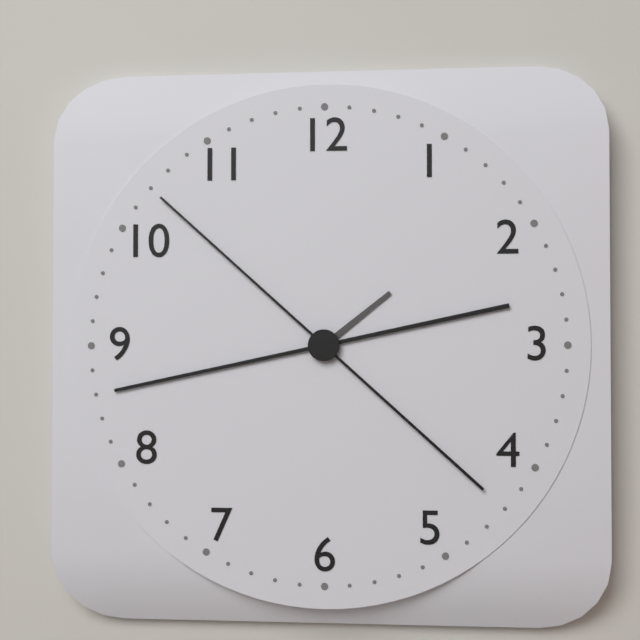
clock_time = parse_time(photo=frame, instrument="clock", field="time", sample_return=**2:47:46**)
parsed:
**1:43:52**
